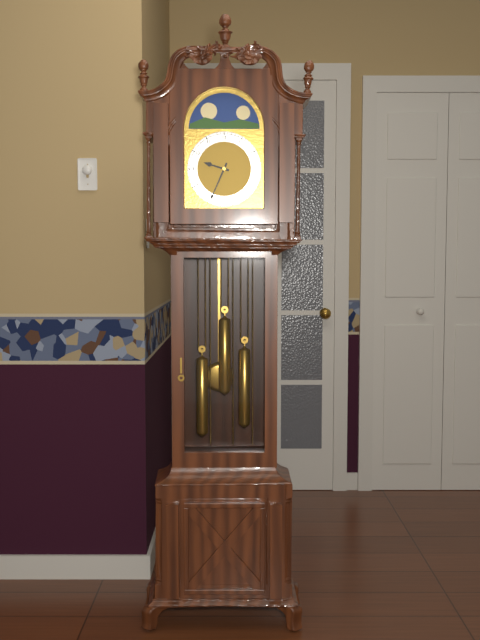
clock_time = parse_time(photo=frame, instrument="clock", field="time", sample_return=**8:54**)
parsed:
**9:34**
